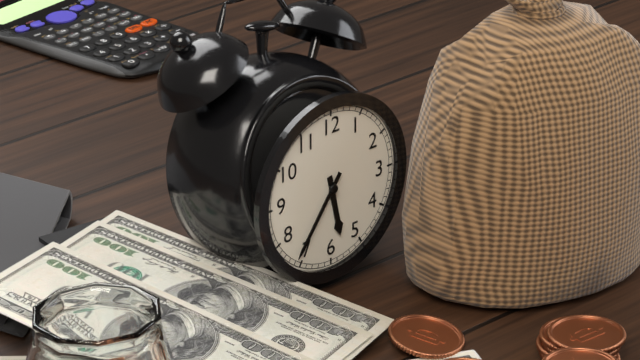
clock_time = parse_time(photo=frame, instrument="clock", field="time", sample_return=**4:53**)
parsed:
**5:36**
